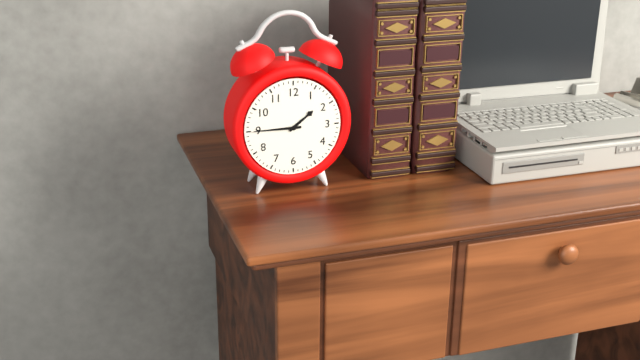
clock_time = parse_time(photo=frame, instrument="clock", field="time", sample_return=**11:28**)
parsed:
**1:45**
